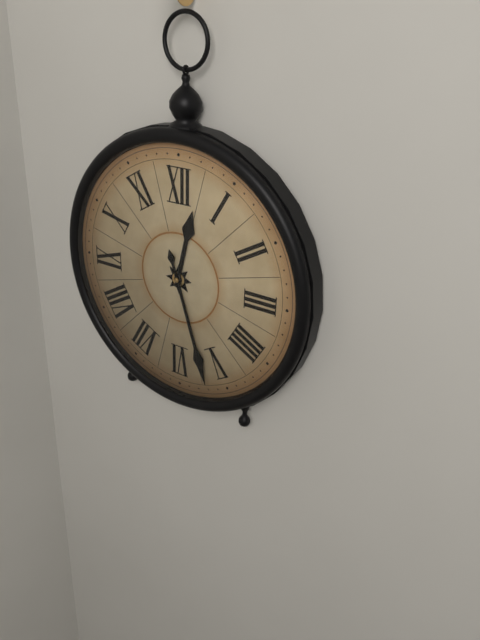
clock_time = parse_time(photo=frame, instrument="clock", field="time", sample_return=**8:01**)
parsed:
**12:27**
